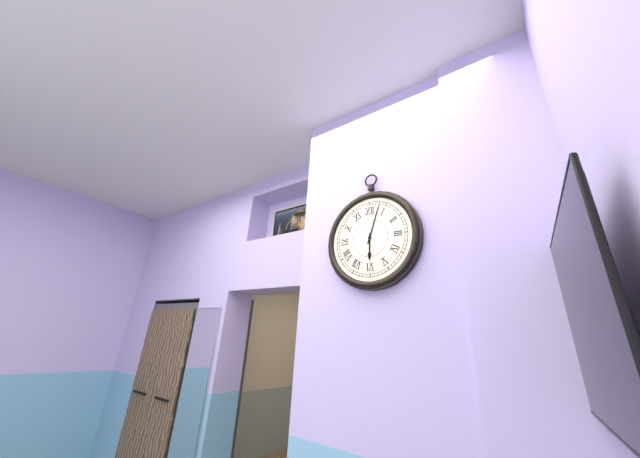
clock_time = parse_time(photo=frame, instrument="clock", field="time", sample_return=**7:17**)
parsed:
**6:03**
